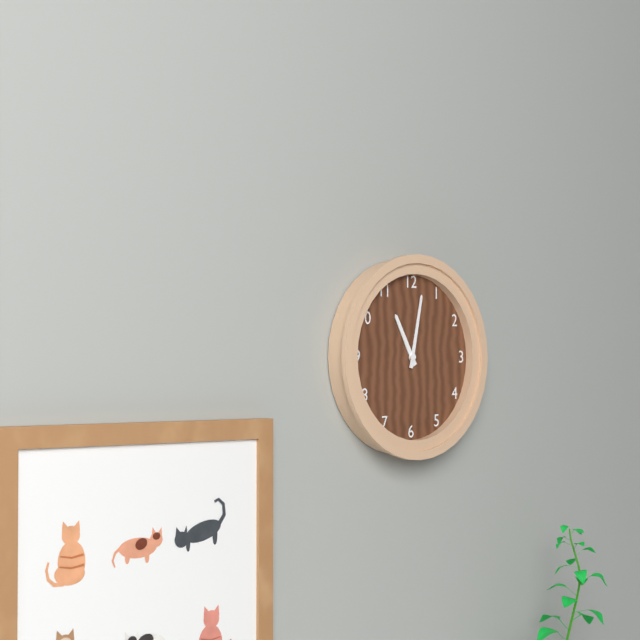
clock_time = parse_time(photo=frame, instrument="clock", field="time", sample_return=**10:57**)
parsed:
**11:02**
